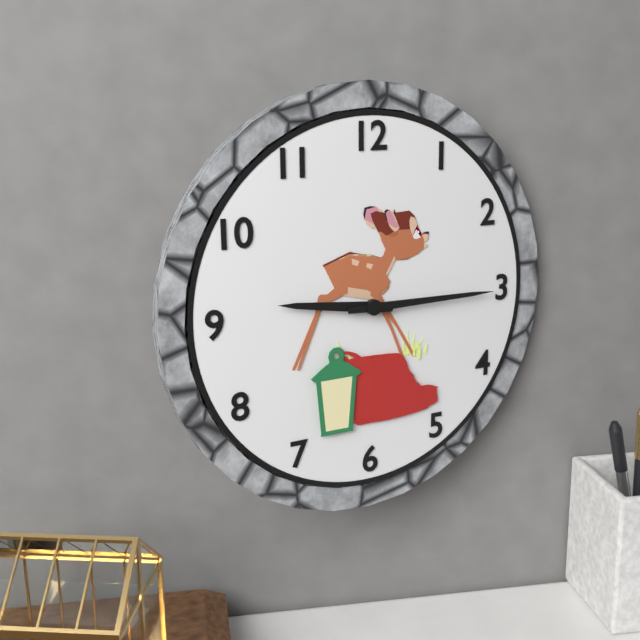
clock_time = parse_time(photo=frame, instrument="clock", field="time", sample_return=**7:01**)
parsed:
**9:15**
